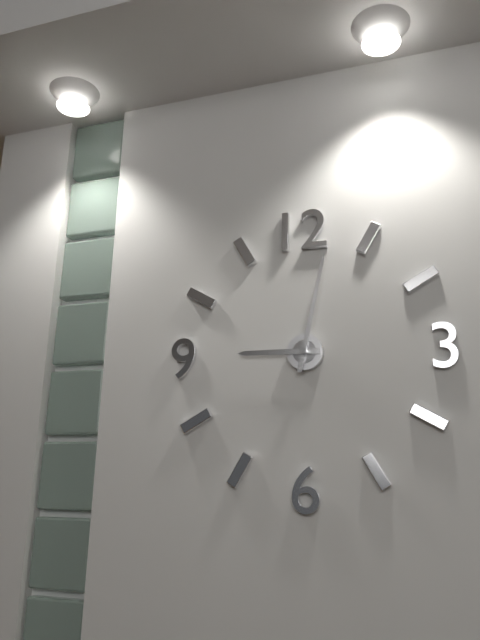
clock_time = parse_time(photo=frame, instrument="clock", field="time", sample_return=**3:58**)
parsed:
**9:02**
